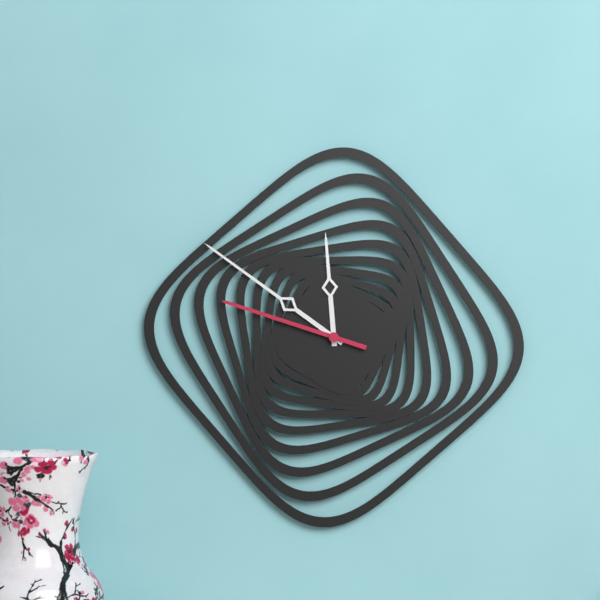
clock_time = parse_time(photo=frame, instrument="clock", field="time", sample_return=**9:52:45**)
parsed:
**11:51:48**
